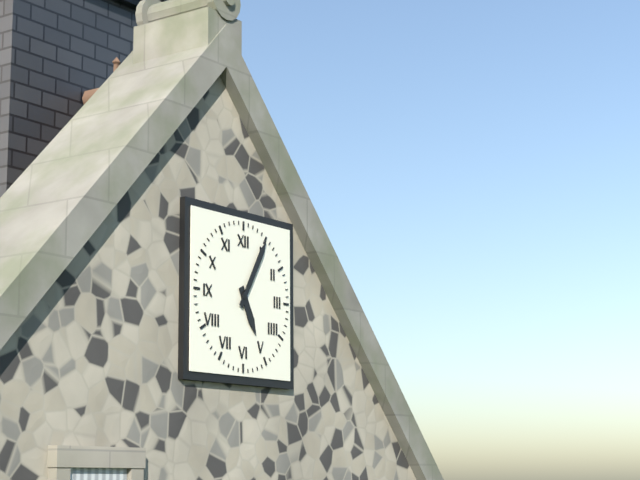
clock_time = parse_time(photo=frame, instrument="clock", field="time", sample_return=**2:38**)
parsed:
**5:05**
